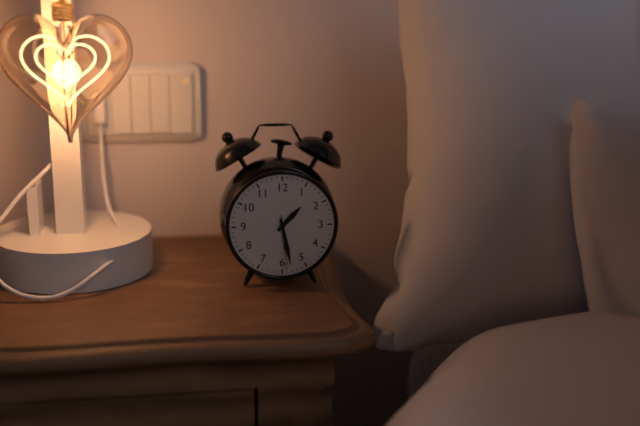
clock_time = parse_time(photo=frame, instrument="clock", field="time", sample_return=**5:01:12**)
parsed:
**1:28:29**
